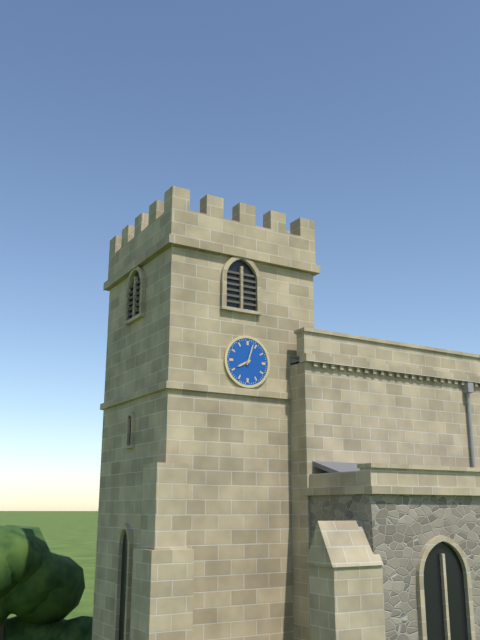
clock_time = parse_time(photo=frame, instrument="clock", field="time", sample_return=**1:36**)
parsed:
**8:03**
